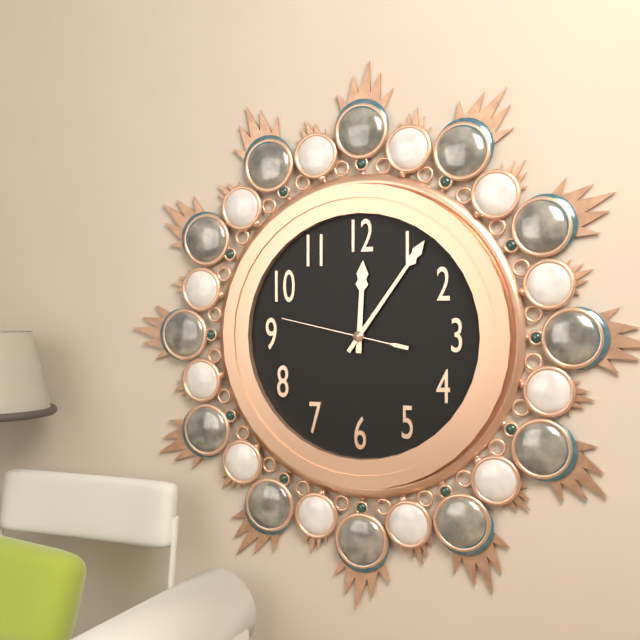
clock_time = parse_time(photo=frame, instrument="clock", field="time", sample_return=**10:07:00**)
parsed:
**12:06:47**
